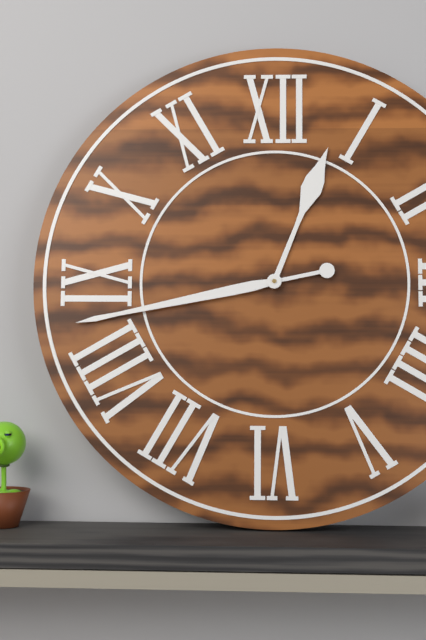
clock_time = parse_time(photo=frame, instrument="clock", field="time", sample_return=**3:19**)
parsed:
**12:43**
